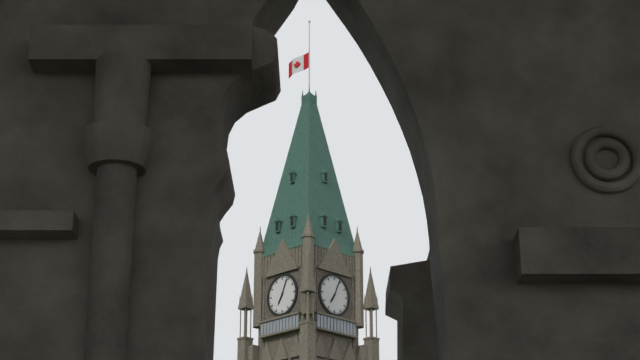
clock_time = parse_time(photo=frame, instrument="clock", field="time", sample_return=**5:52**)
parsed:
**7:04**
